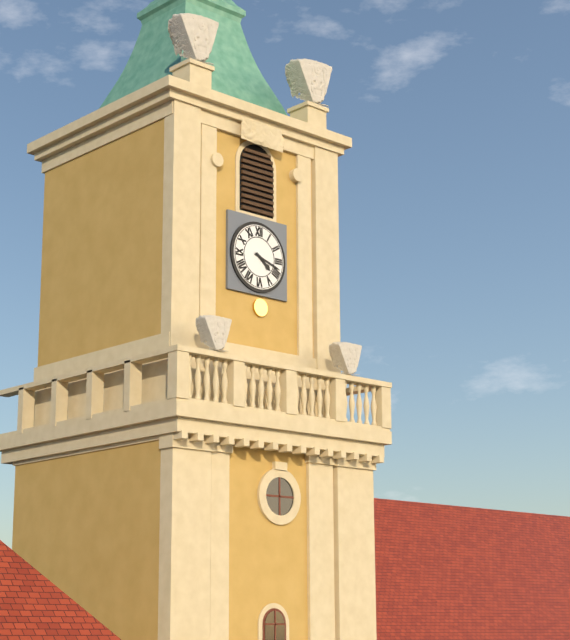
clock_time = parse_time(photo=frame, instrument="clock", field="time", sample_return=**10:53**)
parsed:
**4:18**
